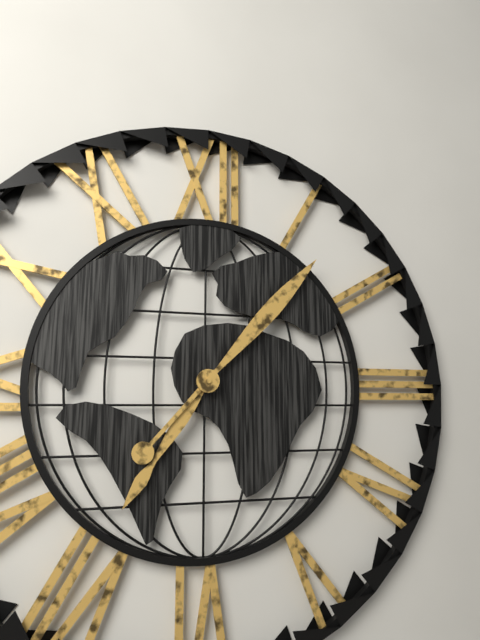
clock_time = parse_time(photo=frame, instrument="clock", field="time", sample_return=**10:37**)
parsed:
**7:07**
